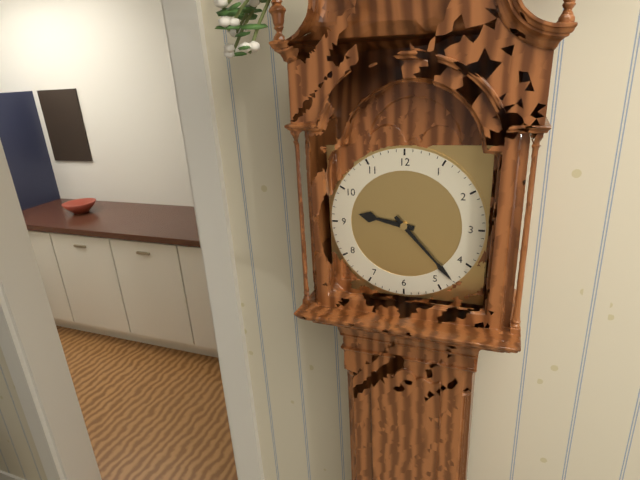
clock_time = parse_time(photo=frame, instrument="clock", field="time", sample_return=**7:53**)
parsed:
**9:23**
